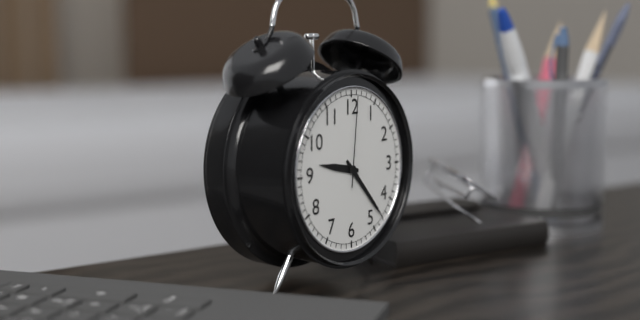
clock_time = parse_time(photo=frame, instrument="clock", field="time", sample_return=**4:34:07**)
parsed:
**9:23:01**
